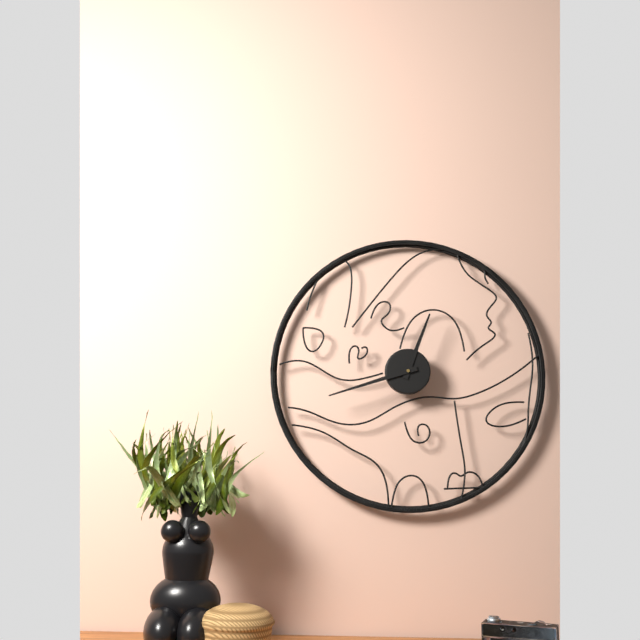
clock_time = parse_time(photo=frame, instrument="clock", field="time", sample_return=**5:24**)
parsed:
**12:42**
